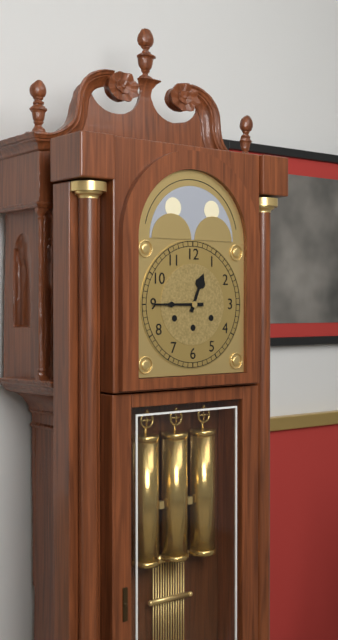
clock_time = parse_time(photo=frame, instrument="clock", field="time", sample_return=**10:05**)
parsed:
**12:45**
